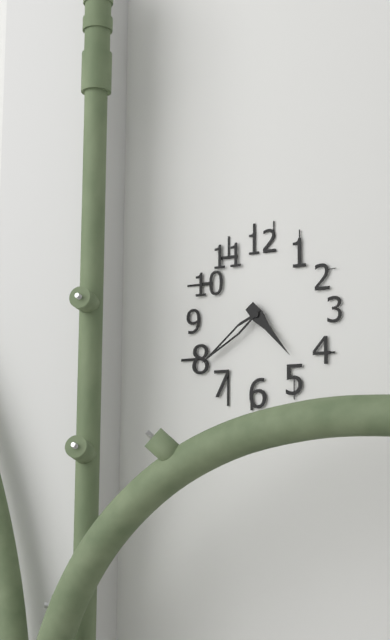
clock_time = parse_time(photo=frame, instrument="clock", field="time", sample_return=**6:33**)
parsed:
**4:39**
